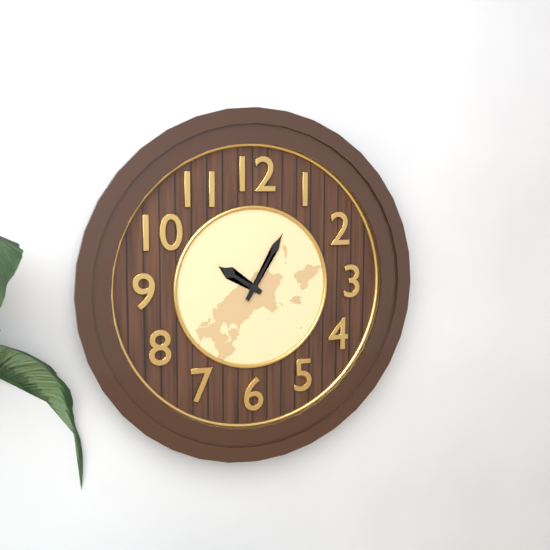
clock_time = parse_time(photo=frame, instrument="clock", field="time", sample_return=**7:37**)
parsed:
**10:05**
